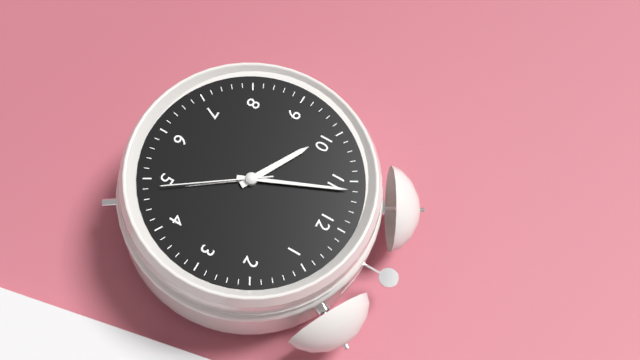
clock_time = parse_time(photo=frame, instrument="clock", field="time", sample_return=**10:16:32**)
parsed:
**9:56:24**
